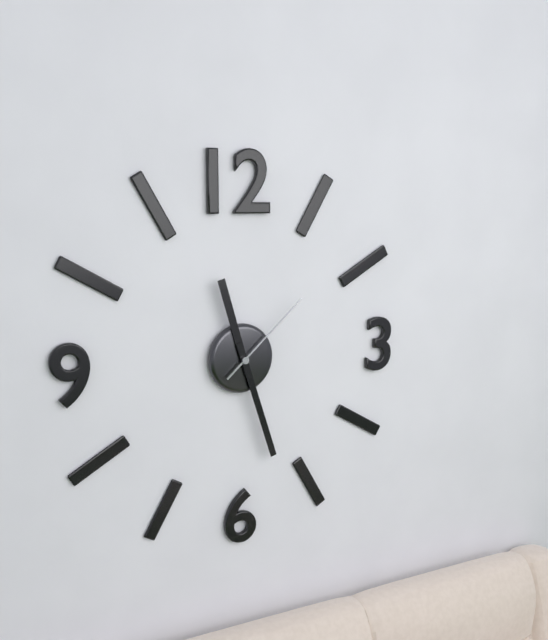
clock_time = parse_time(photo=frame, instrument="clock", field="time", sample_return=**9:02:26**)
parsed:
**11:27:08**
